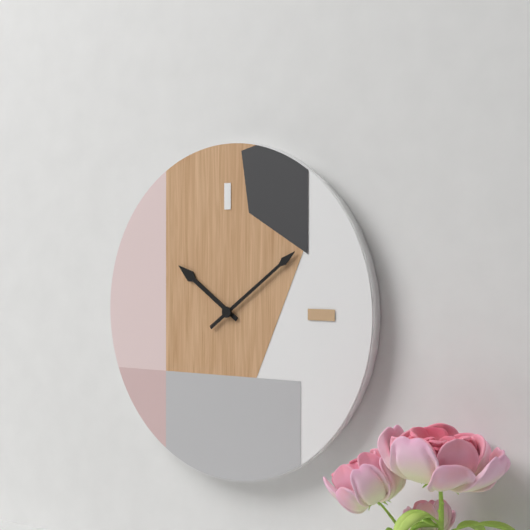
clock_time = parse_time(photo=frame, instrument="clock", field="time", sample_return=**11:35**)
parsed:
**10:09**
